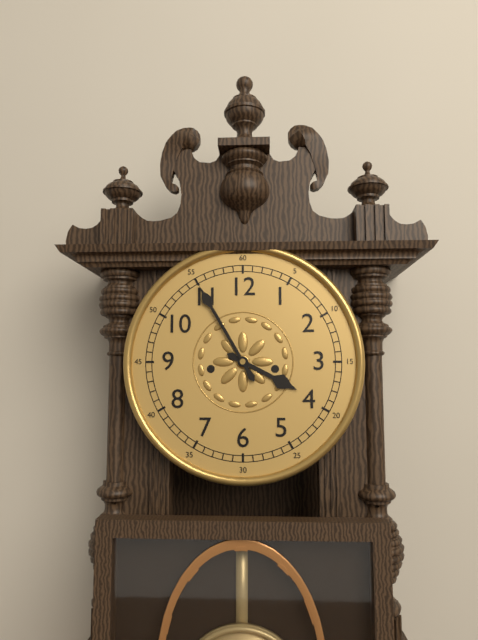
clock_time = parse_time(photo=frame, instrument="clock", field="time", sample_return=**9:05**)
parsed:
**3:55**
